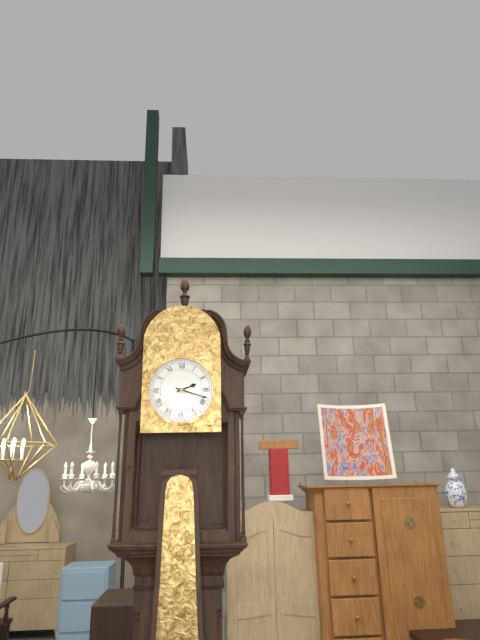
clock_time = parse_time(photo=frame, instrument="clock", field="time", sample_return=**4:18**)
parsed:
**2:18**
